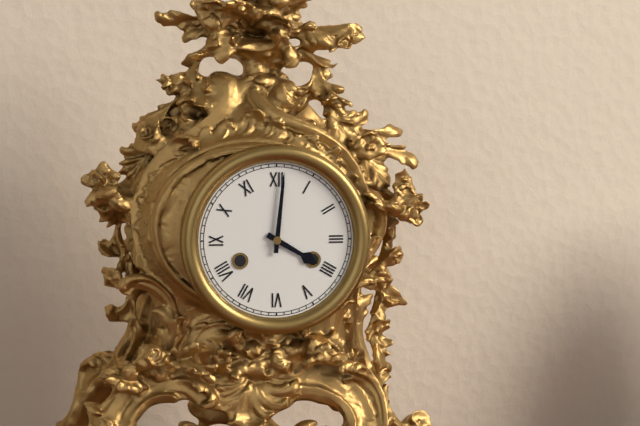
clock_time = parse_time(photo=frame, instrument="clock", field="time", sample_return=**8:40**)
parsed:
**4:01**
